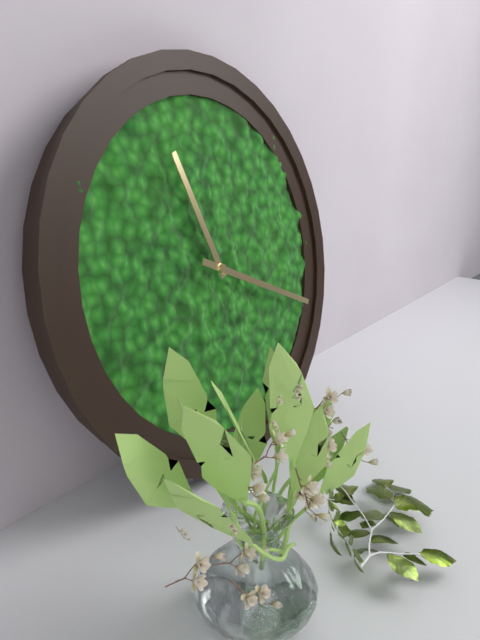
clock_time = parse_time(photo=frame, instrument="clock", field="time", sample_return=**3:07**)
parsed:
**11:19**
